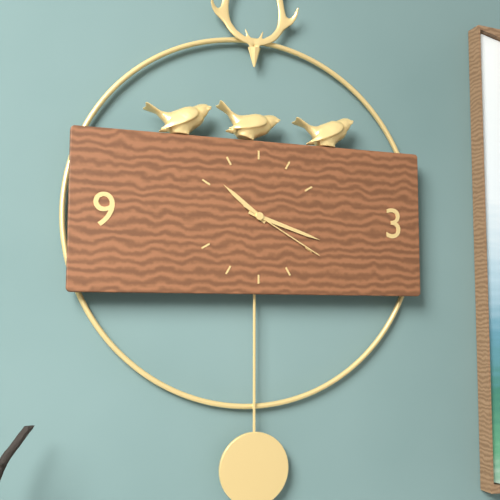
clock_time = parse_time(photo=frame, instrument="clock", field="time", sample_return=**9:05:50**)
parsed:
**10:18:20**
